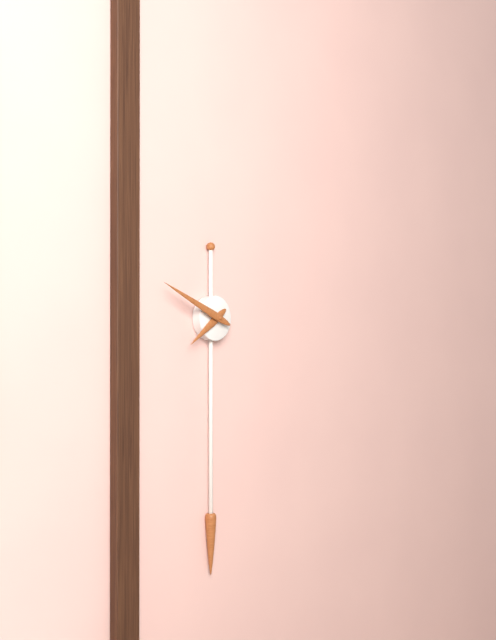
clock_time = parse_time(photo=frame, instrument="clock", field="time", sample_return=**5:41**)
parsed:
**7:49**
